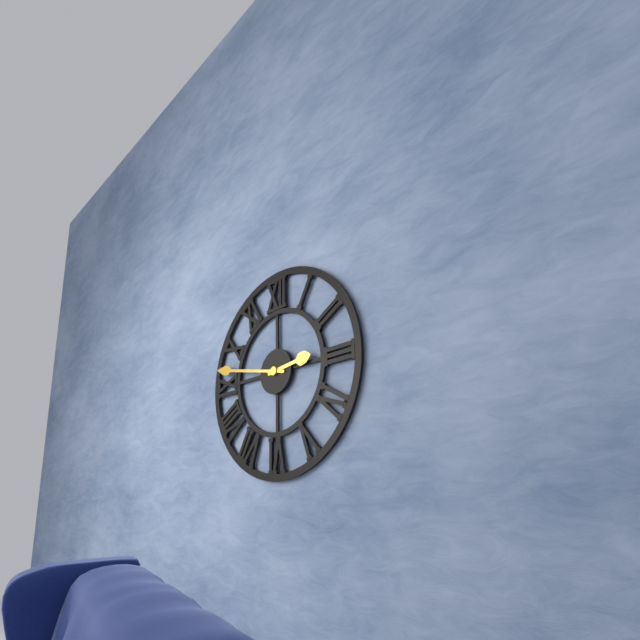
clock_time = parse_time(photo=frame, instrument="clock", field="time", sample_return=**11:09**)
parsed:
**2:47**
